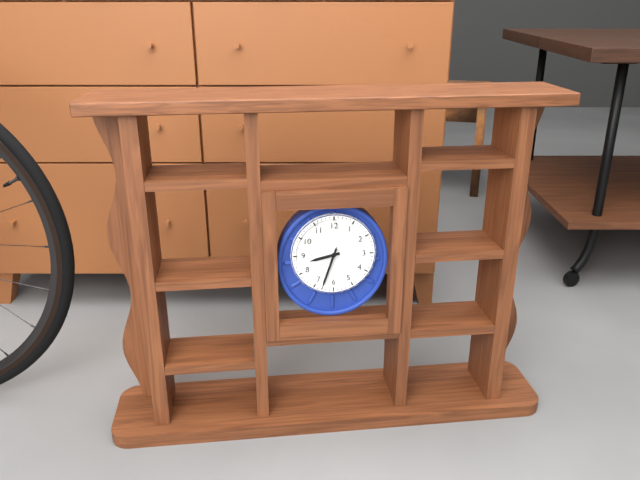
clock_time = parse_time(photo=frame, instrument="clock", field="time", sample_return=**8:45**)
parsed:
**8:33**
